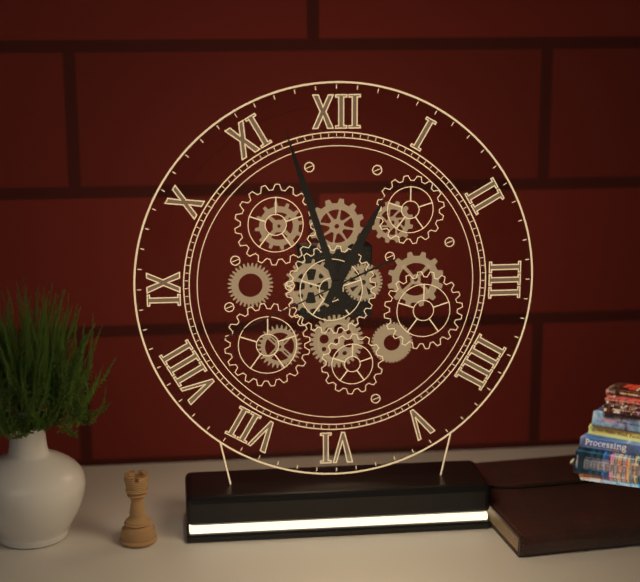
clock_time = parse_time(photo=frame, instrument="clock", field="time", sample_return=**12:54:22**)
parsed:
**12:57:41**
